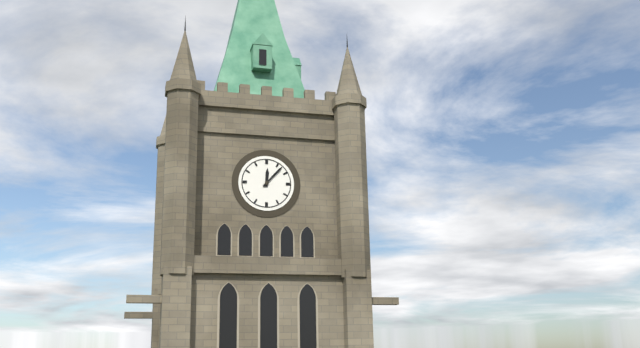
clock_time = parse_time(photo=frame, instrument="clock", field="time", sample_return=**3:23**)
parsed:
**12:07**
